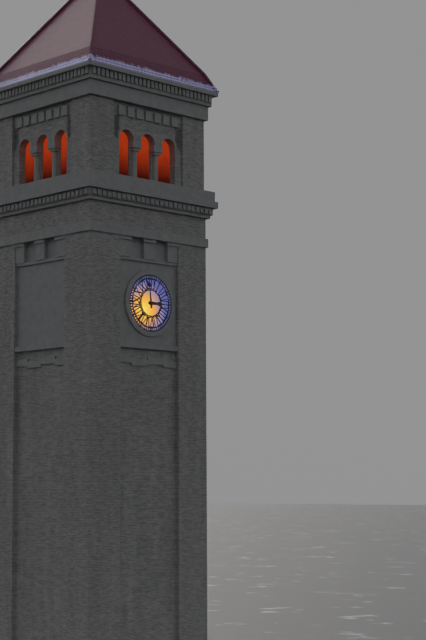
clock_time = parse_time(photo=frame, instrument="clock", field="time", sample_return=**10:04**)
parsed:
**2:59**
